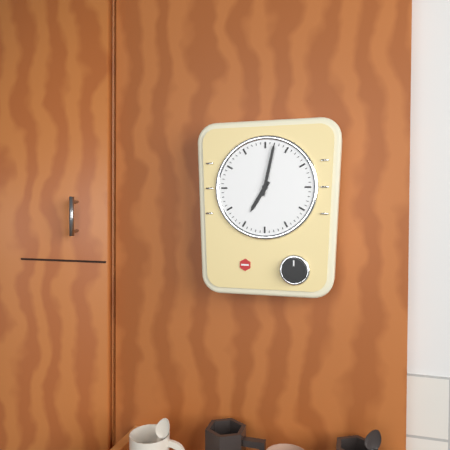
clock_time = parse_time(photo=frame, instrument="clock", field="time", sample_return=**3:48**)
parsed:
**7:02**
